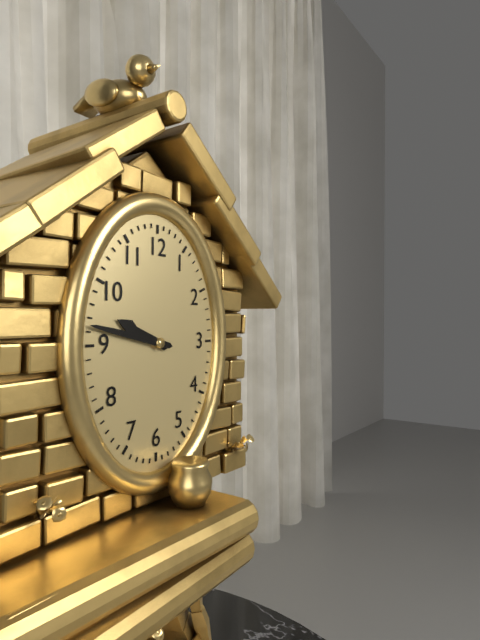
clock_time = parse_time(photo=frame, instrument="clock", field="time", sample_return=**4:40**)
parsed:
**9:47**
